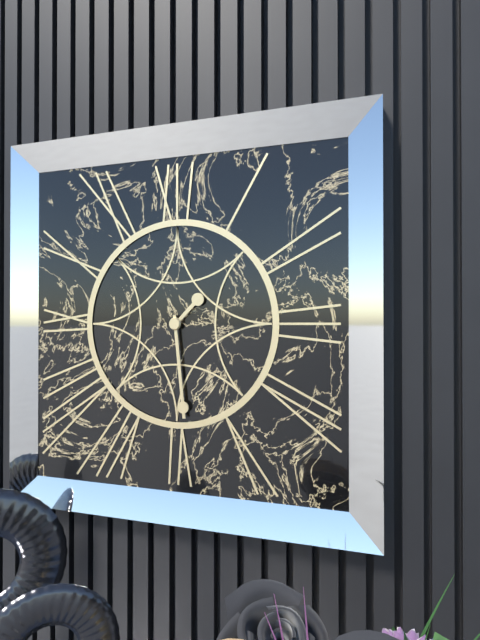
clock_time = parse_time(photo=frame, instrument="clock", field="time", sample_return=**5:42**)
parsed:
**1:29**
